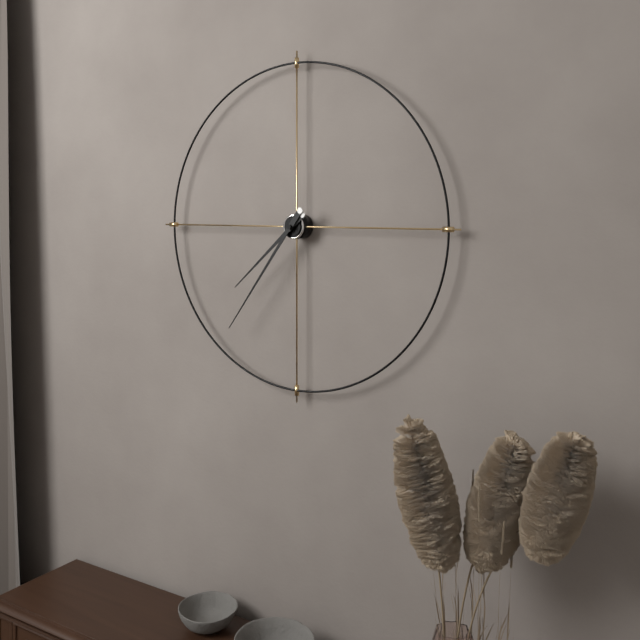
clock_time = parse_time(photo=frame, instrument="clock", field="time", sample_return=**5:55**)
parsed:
**7:36**
